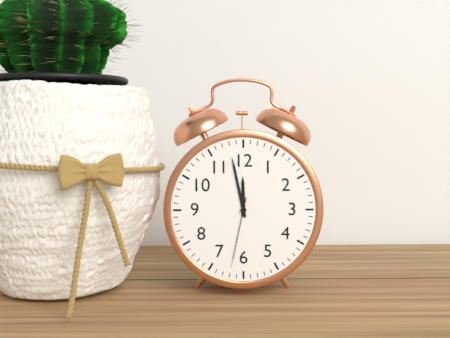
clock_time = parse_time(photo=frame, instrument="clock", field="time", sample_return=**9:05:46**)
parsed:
**11:58:32**
